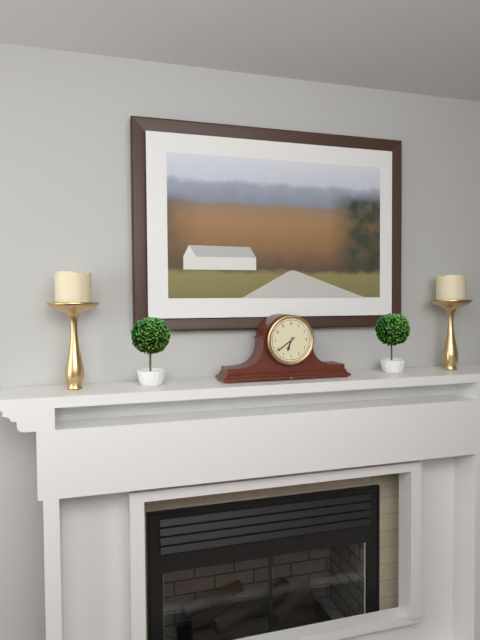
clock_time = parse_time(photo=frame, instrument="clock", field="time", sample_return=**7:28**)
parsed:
**6:39**
